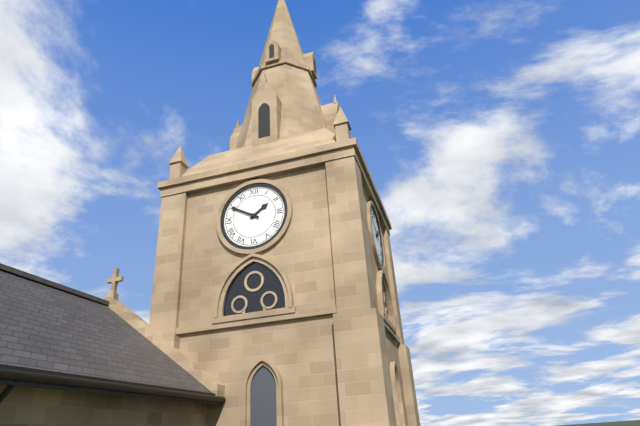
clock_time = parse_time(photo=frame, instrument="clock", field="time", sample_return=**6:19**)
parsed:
**1:50**
